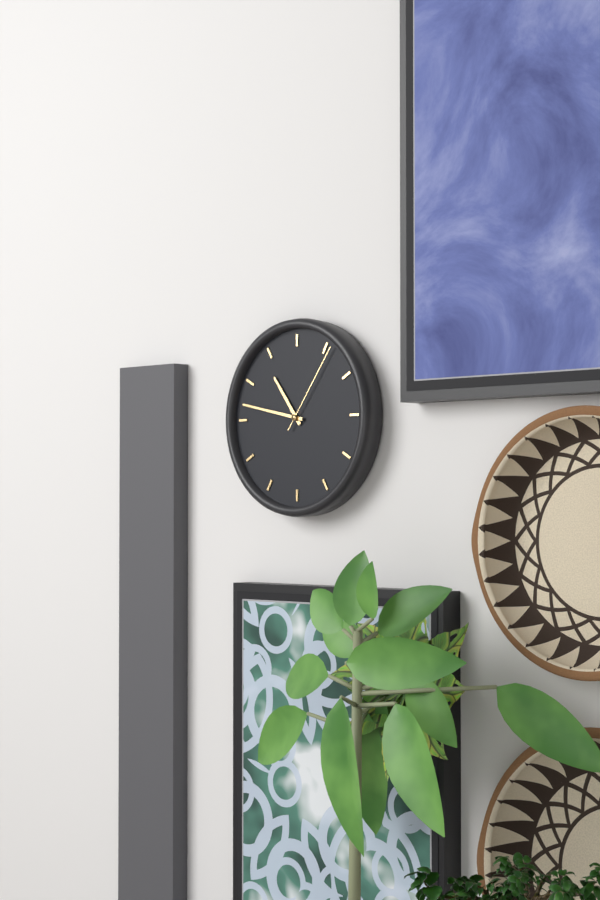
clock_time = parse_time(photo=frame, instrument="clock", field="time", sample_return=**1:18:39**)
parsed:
**10:47:06**
